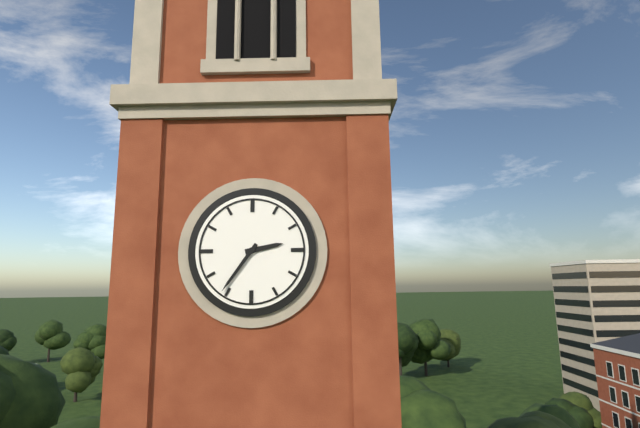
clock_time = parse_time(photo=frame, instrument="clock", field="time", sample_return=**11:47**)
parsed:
**2:36**
